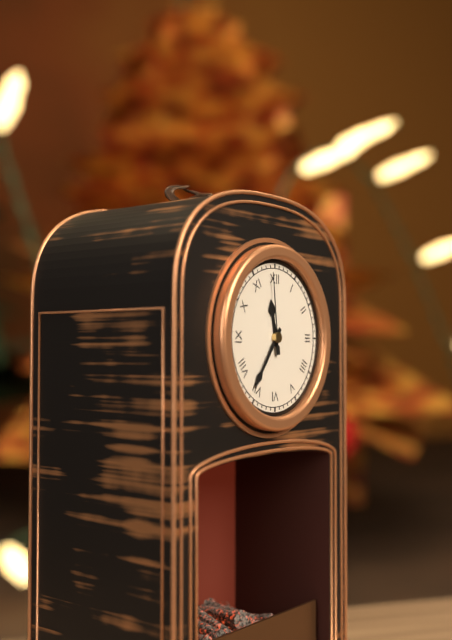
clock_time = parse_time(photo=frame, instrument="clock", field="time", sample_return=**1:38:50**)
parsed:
**11:36:59**
